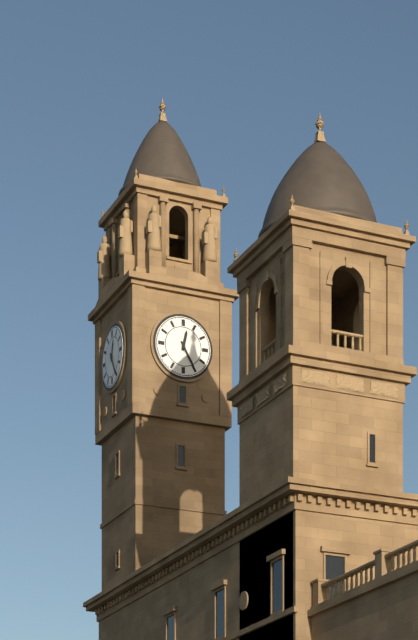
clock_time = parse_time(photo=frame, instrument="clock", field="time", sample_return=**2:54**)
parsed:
**12:25**
